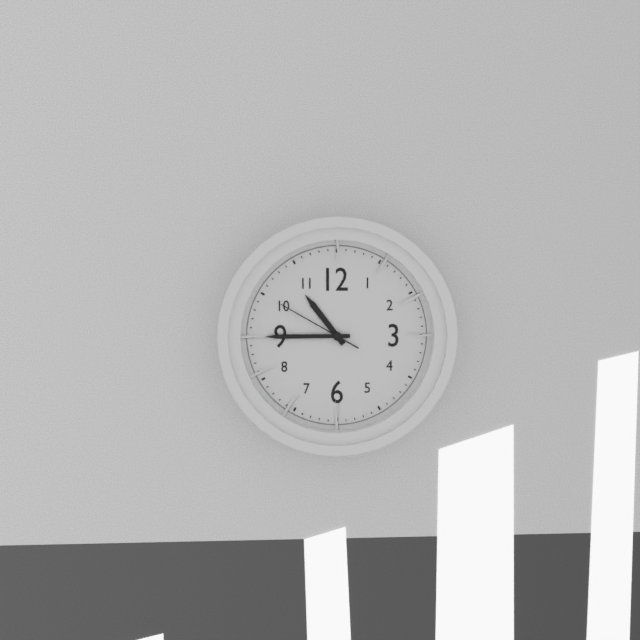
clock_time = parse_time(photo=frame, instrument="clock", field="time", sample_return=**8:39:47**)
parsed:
**10:45:50**
